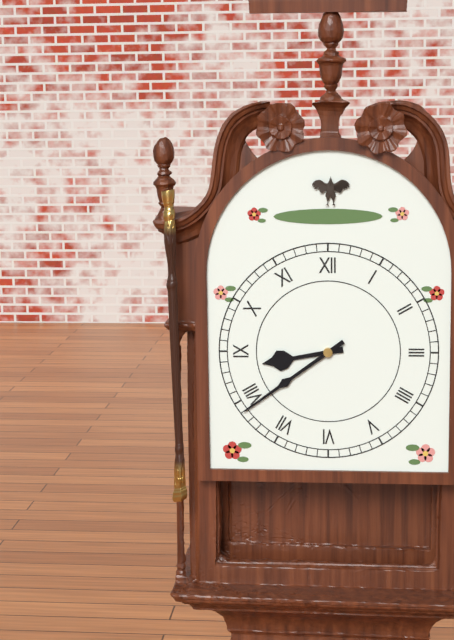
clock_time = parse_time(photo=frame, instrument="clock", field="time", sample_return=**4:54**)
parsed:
**8:39**
